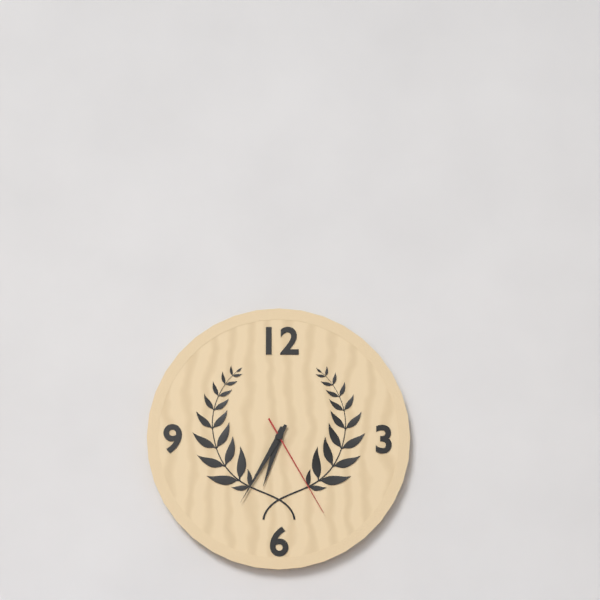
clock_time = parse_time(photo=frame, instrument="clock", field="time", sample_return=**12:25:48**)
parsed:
**6:35:25**
